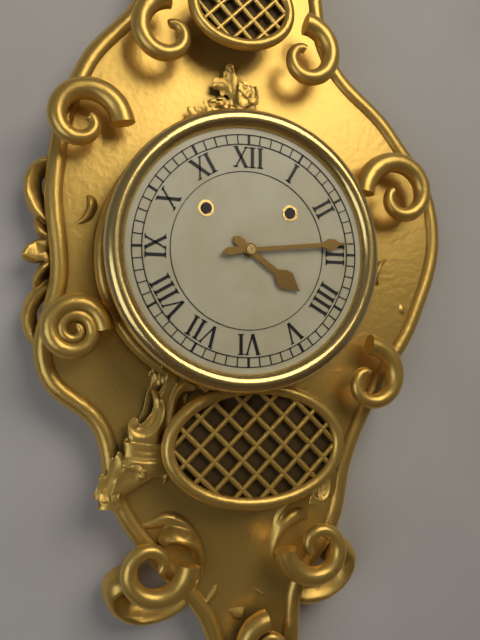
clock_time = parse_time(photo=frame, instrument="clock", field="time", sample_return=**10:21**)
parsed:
**4:14**
